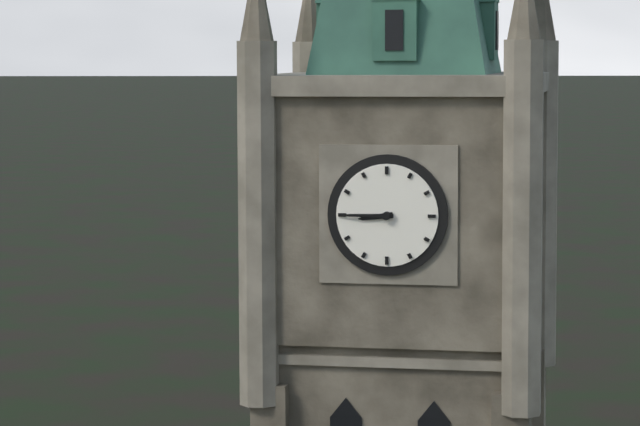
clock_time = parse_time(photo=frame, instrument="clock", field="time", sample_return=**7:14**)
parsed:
**8:45**
